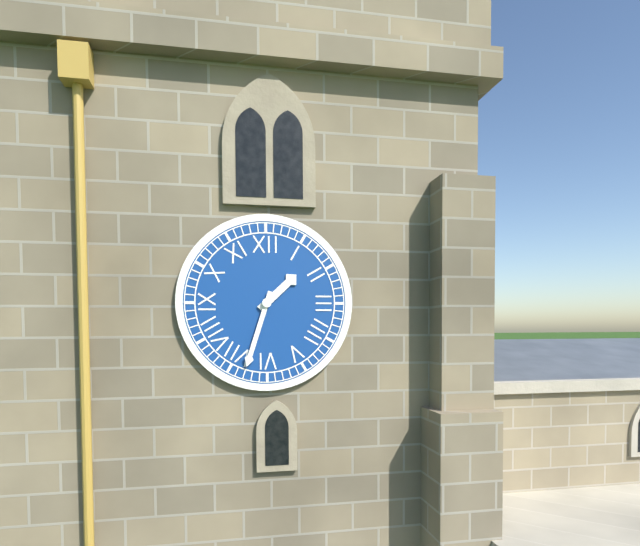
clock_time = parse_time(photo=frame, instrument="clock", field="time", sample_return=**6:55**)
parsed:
**1:33**
